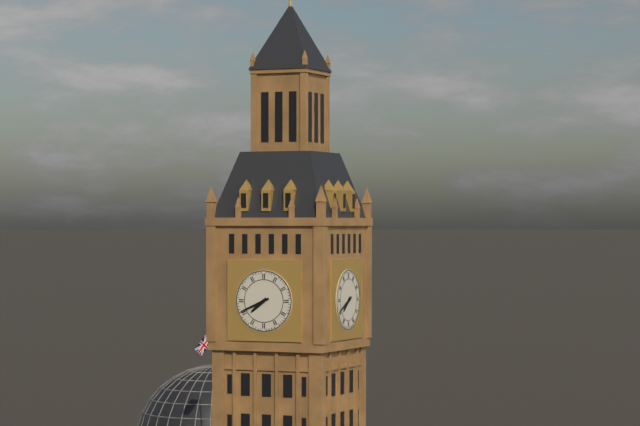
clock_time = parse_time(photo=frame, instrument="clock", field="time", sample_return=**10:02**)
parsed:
**7:41**
